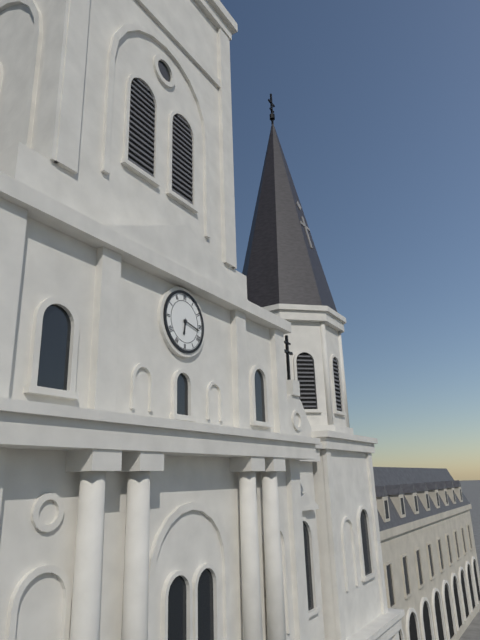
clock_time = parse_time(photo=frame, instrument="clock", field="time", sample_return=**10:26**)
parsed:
**6:17**
